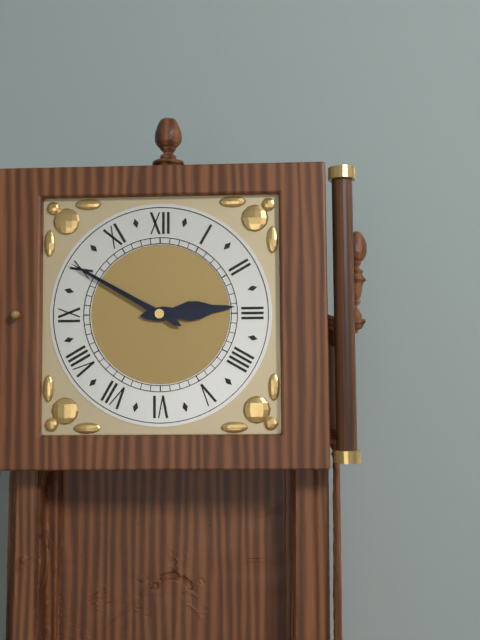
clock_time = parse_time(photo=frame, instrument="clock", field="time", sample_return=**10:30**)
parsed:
**2:50**
